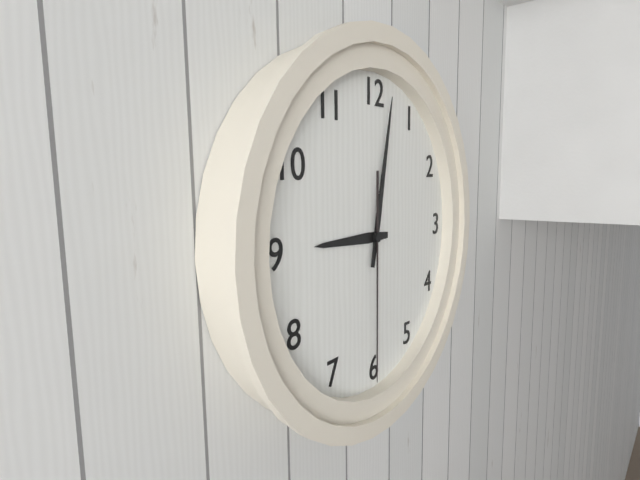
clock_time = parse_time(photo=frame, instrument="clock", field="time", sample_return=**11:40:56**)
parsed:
**9:02:30**
